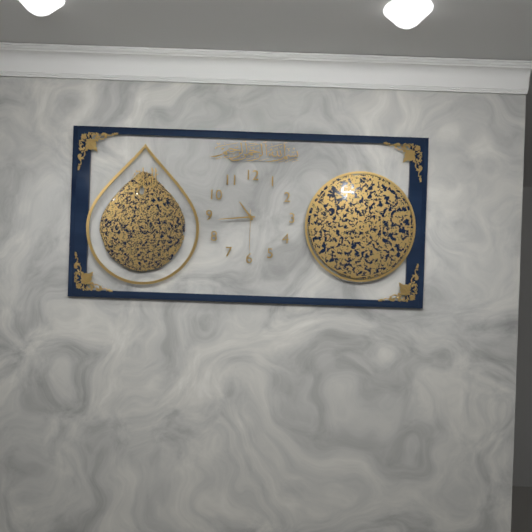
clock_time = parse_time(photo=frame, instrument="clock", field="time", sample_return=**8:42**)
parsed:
**10:44**
